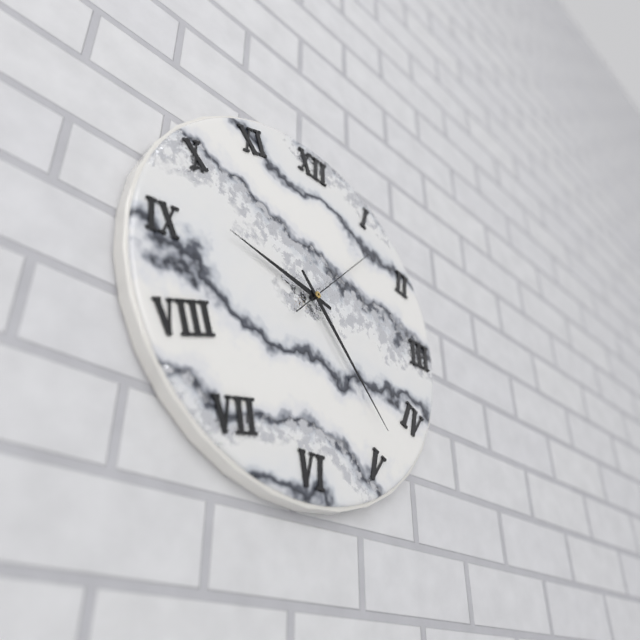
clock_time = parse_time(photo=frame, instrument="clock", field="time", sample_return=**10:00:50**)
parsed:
**9:23:07**
